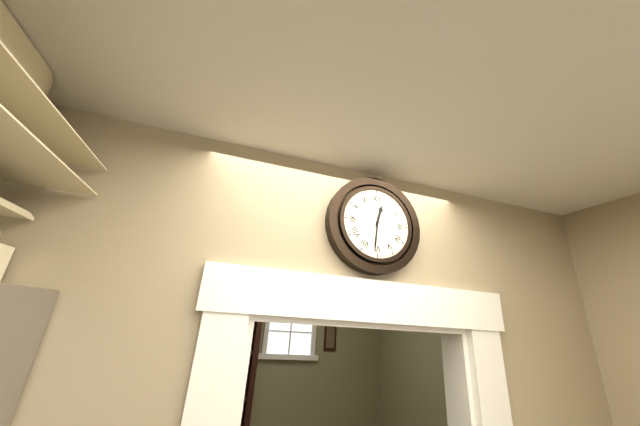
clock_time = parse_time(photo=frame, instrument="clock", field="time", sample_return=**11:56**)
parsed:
**12:31**
